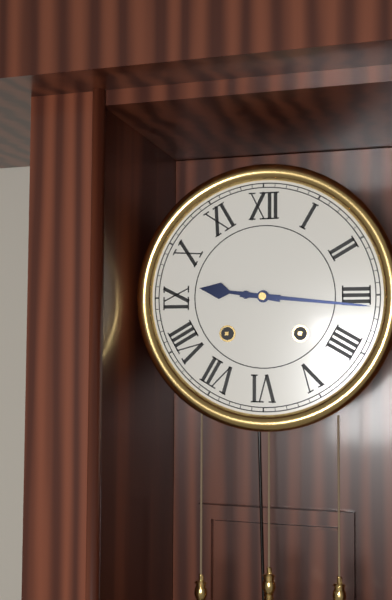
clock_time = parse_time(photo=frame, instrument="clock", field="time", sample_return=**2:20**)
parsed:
**9:16**
